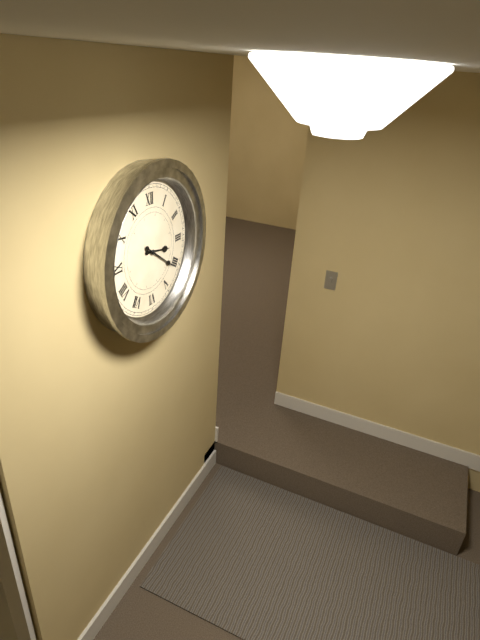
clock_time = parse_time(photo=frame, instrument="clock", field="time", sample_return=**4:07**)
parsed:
**3:21**
